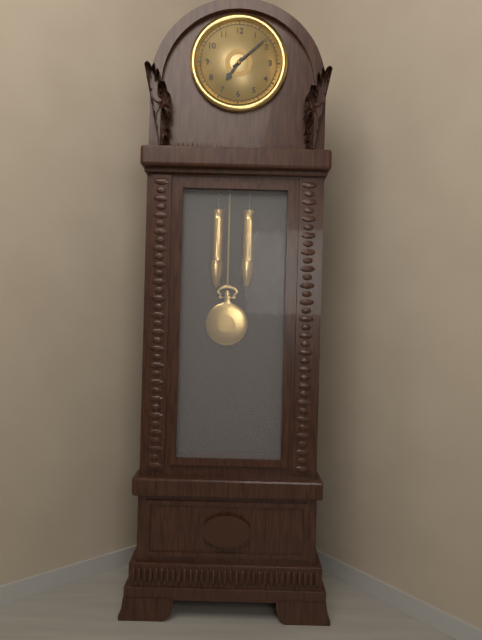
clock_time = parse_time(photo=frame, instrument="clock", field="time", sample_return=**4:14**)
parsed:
**7:08**
